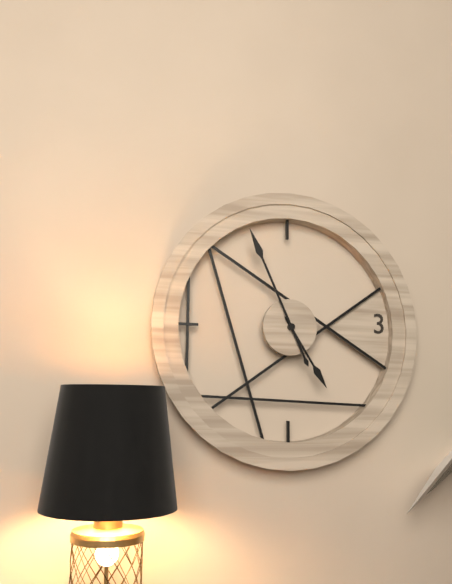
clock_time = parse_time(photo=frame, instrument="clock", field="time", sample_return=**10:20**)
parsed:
**4:56**
